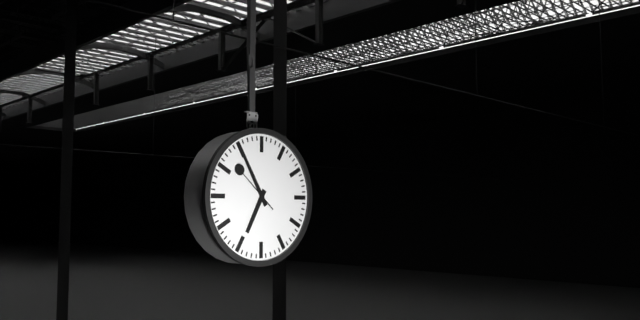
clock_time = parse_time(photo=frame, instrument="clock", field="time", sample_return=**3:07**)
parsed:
**6:55**
